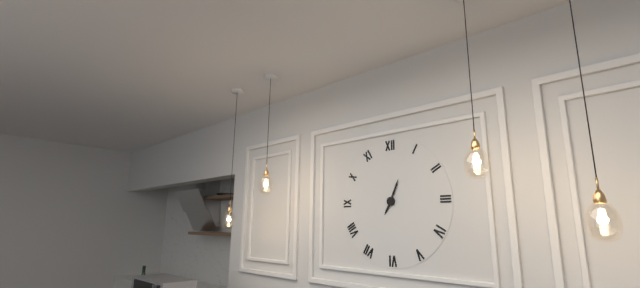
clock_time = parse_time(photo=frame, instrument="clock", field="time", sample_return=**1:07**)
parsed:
**7:04**
